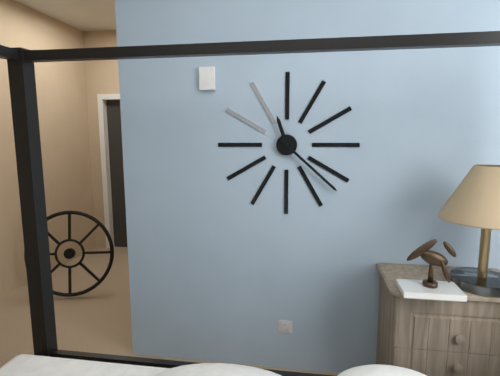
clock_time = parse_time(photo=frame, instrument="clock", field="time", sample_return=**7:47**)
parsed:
**11:22**
